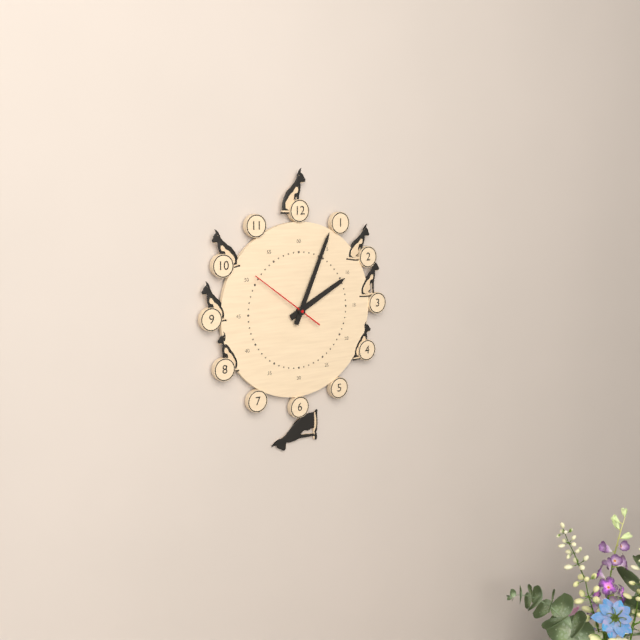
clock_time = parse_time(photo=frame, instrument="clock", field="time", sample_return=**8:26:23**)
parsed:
**2:04:51**
